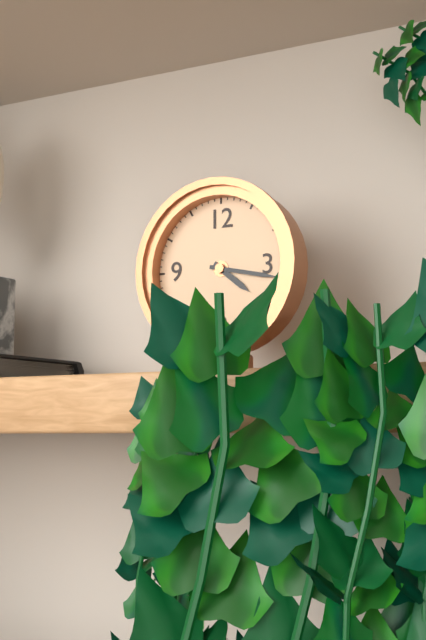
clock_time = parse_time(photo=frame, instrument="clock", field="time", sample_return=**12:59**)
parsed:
**4:17**
